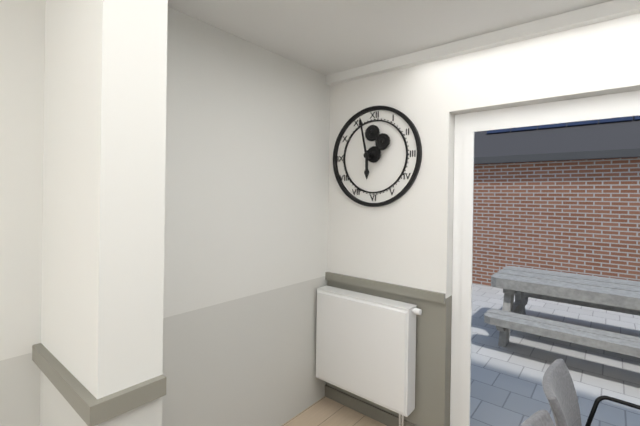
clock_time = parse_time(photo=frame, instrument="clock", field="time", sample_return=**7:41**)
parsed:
**5:58**
